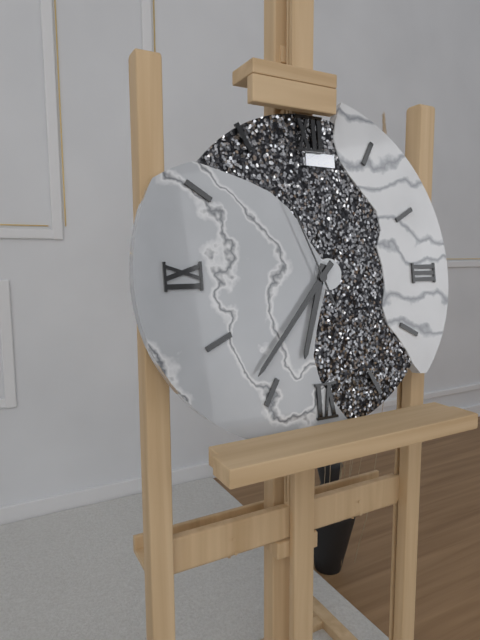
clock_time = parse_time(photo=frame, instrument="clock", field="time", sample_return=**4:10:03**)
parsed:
**6:37:56**
